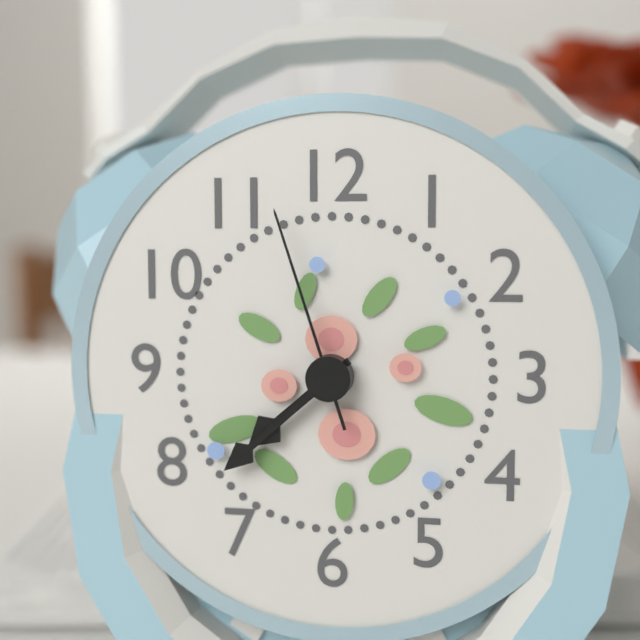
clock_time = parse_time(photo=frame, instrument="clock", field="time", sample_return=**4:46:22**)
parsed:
**7:38:57**
